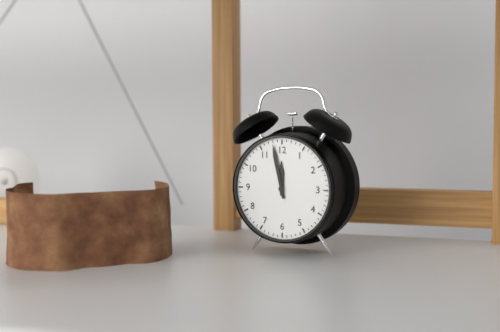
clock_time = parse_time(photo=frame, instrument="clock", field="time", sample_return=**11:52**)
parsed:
**11:58**
